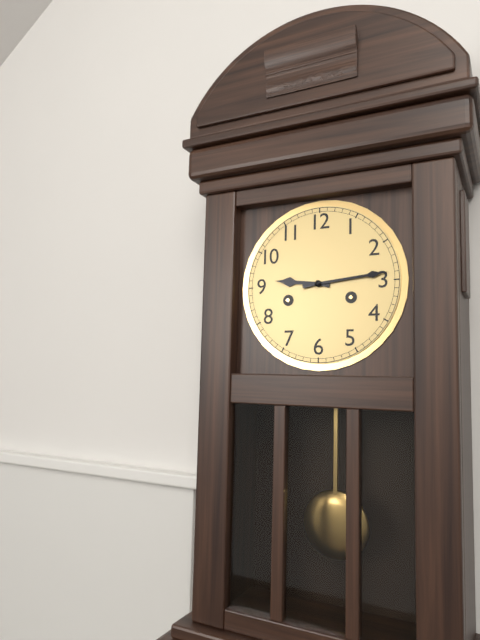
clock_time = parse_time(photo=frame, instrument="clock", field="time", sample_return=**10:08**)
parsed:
**9:14**
